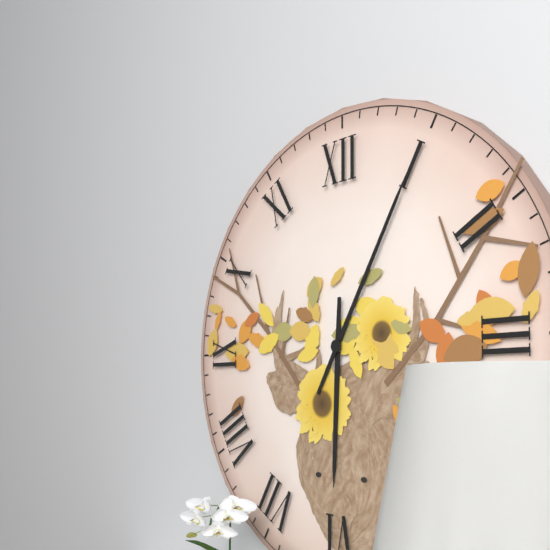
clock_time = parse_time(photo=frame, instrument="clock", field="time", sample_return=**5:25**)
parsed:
**6:05**
